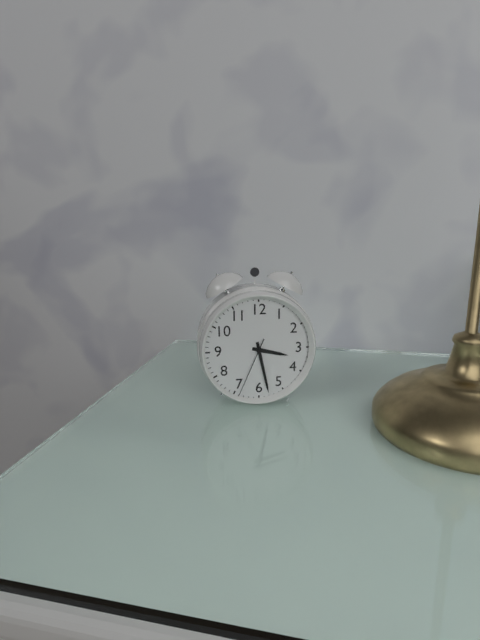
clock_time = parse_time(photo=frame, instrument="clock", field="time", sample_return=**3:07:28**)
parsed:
**3:28:34**
